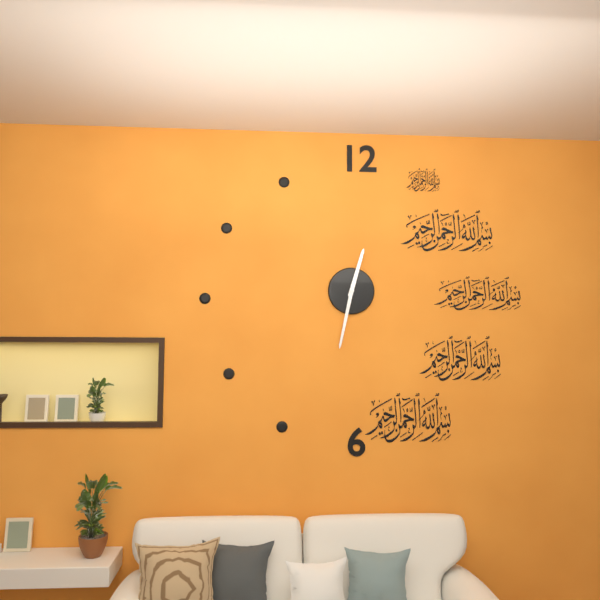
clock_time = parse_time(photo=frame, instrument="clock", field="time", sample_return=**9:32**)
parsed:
**12:32**
